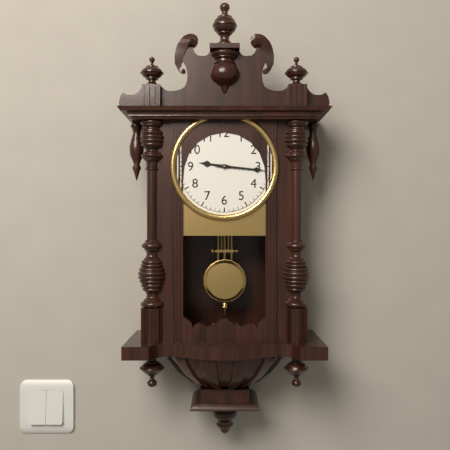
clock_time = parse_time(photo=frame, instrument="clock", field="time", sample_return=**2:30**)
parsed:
**9:16**
